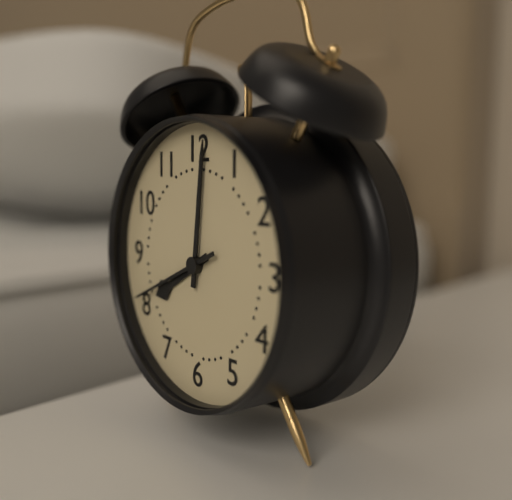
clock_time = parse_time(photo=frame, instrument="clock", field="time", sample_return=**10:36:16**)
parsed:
**8:01:41**
